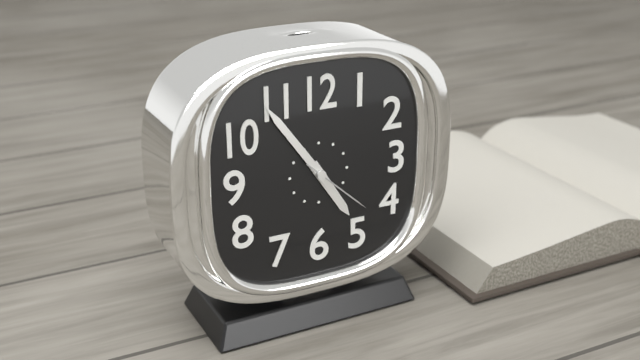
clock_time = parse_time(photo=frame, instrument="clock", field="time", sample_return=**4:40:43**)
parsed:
**4:54:22**
